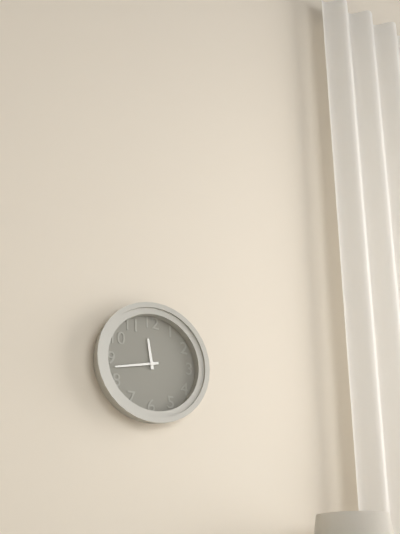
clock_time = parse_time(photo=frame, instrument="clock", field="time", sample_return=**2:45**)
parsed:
**11:43**
